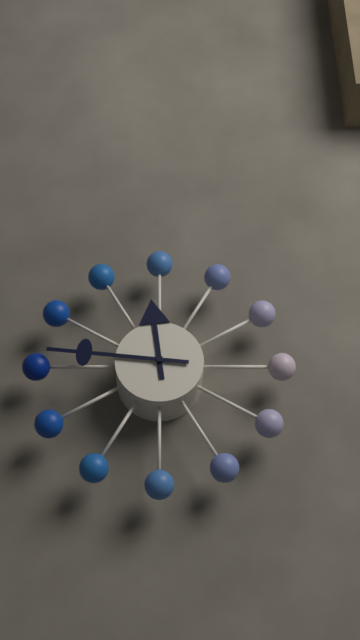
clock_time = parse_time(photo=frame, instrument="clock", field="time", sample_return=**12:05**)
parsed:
**11:46**
